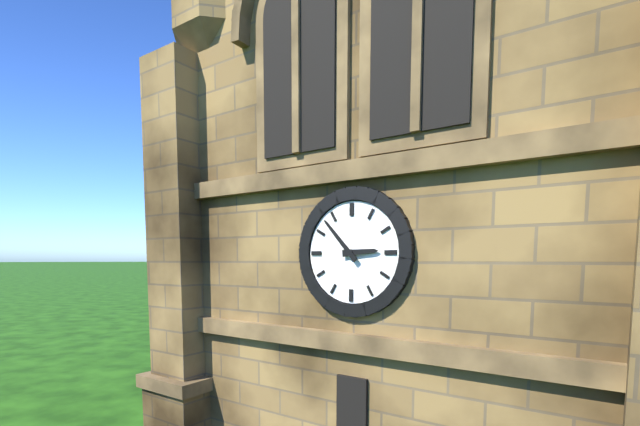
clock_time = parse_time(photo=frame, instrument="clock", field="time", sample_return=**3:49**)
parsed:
**2:53**
